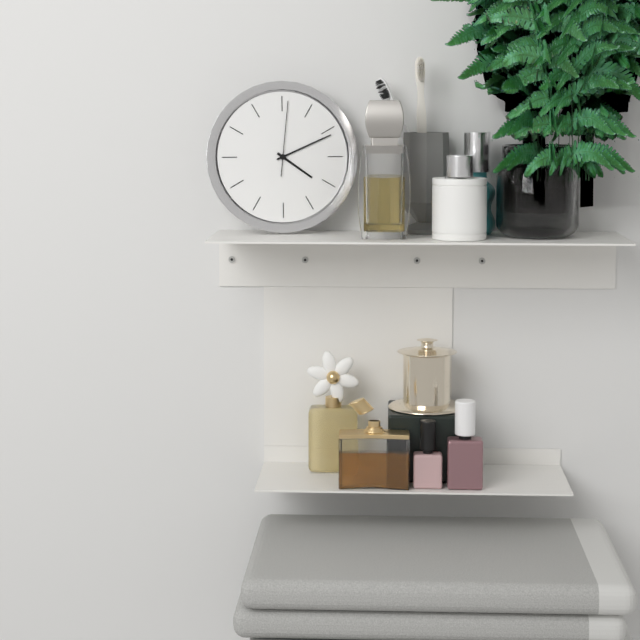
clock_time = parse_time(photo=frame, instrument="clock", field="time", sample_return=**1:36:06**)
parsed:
**4:11:01**
